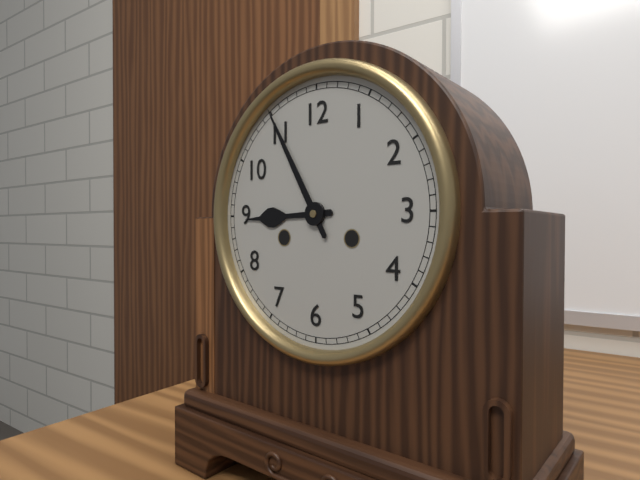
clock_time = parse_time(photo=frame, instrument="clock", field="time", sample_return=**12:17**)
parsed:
**8:55**
